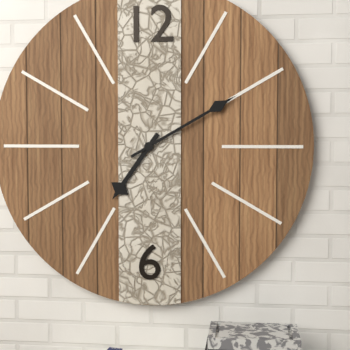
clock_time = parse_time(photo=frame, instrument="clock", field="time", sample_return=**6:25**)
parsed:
**7:10**
